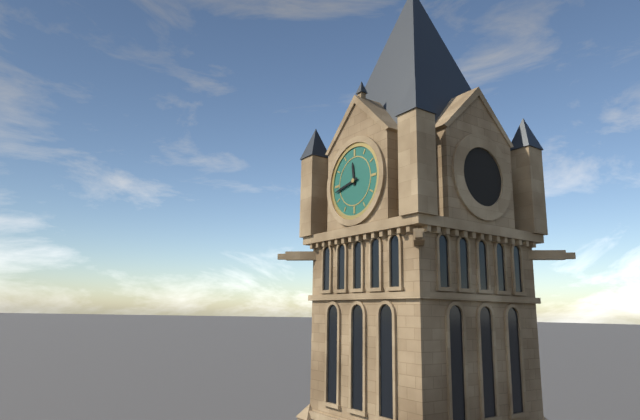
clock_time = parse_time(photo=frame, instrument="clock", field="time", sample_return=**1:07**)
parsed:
**11:43**
